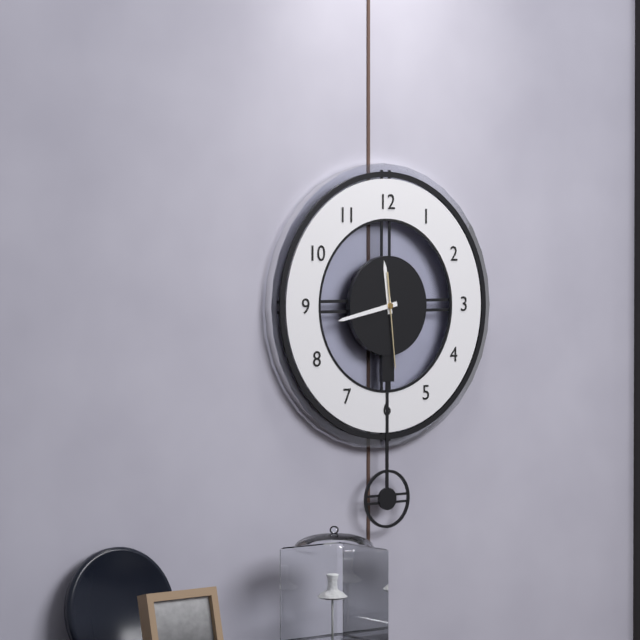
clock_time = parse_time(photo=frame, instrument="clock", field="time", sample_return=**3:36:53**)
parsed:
**11:43:29**
